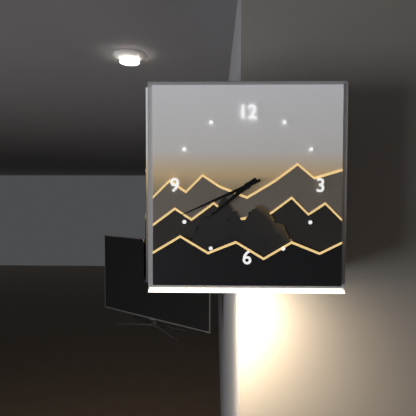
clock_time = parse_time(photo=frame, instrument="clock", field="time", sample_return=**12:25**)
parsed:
**7:41**
